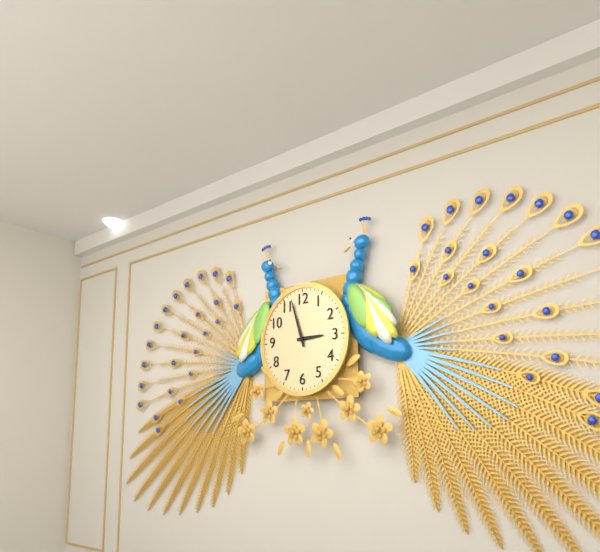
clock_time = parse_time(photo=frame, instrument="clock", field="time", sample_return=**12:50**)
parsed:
**2:57**
